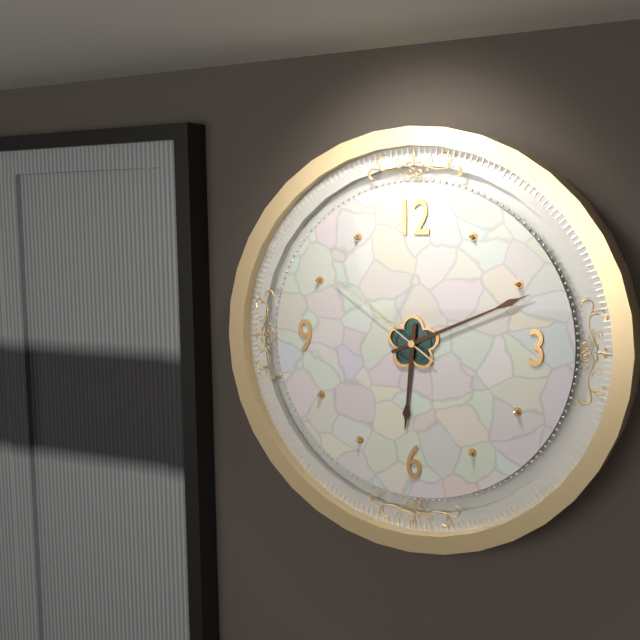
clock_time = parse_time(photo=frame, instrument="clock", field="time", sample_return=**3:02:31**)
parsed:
**6:11:51**
